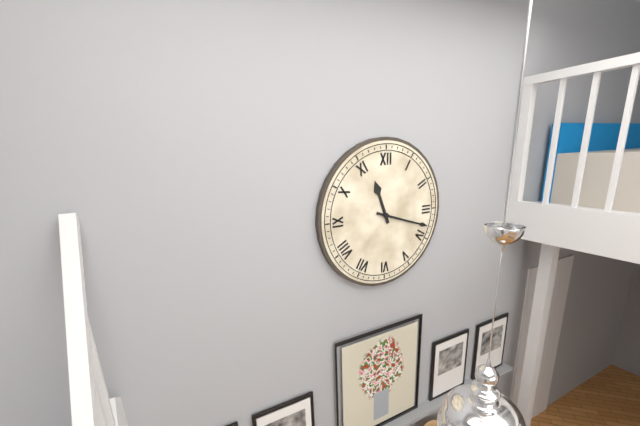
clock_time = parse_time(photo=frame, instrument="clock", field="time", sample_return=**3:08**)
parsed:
**11:18**
